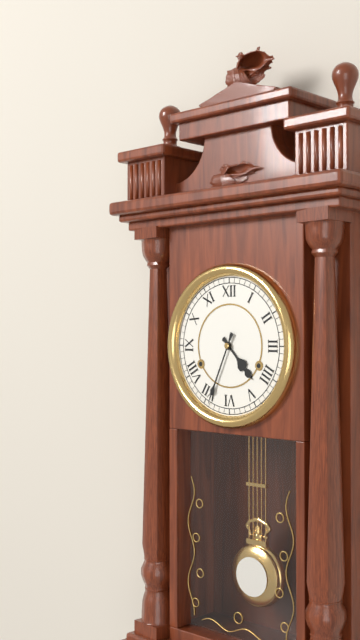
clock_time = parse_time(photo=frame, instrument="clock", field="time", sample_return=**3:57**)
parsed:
**4:34**
